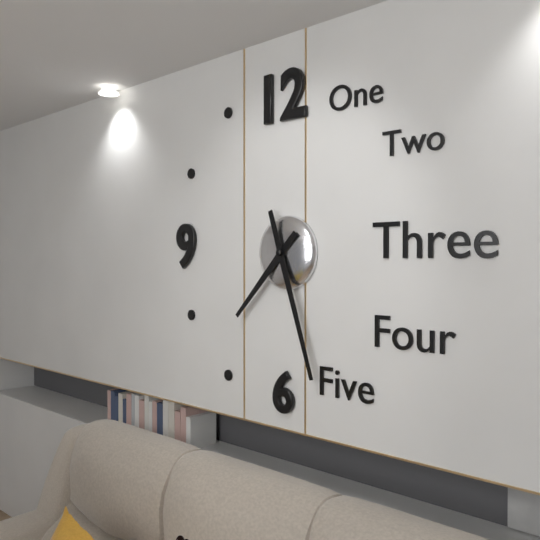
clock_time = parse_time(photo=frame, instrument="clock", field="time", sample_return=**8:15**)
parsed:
**7:27**
